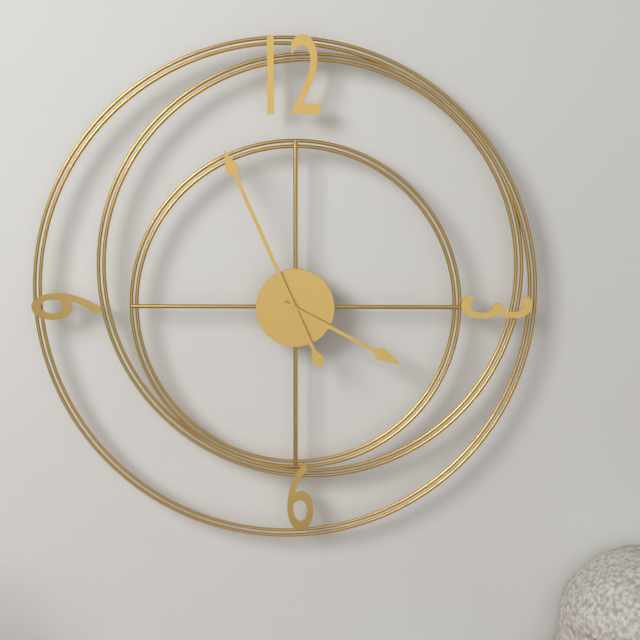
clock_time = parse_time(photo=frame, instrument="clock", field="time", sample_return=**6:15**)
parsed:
**3:56**
